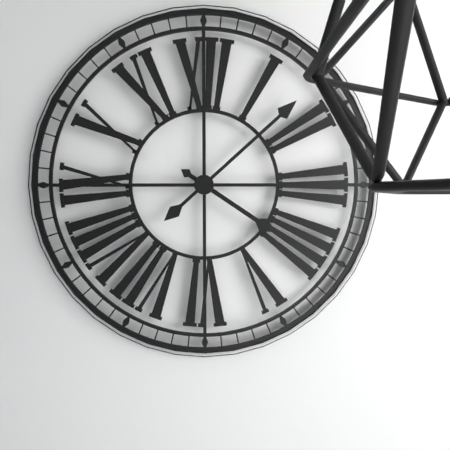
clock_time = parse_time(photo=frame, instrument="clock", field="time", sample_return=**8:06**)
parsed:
**4:08**
